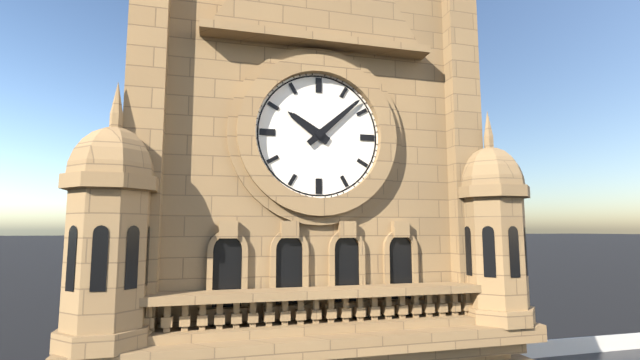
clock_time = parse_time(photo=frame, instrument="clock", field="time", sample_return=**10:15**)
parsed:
**10:08**
